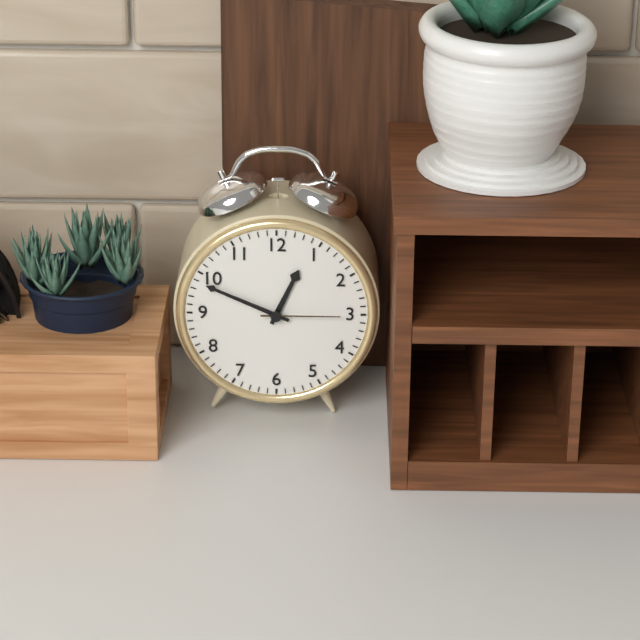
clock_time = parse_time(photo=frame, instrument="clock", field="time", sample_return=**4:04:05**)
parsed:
**12:49:15**
